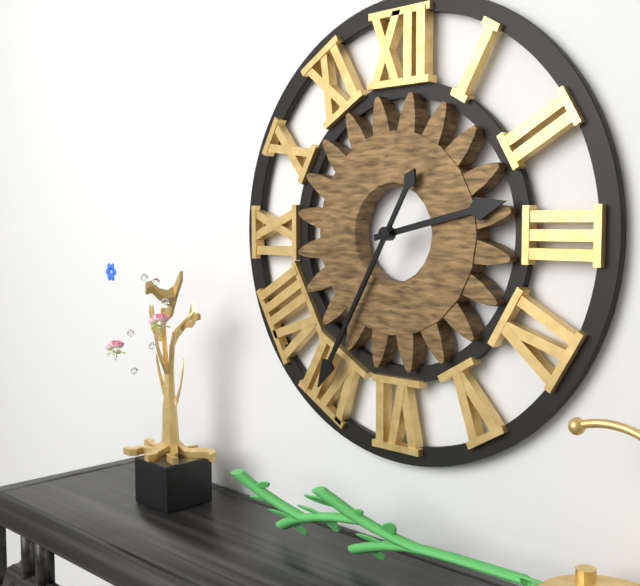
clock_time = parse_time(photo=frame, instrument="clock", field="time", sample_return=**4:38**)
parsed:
**2:35**
